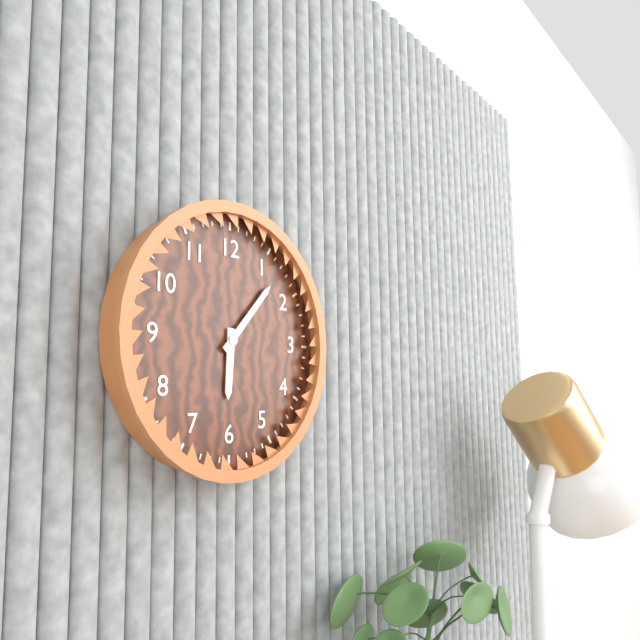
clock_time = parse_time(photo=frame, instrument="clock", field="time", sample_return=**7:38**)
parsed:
**6:07**
